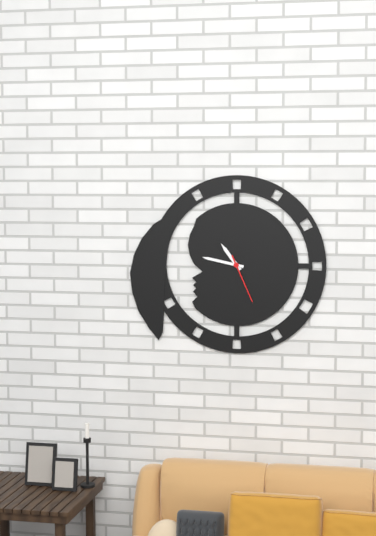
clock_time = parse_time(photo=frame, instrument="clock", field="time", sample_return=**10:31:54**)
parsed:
**10:47:26**
